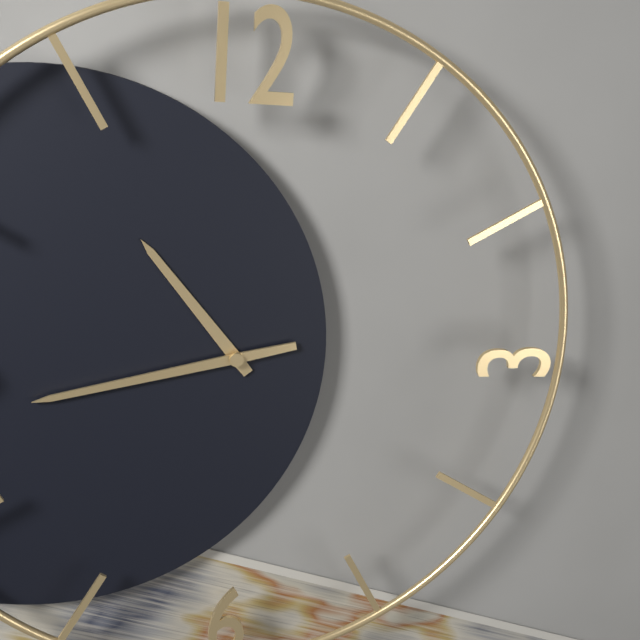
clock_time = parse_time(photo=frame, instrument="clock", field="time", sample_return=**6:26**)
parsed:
**10:43**
